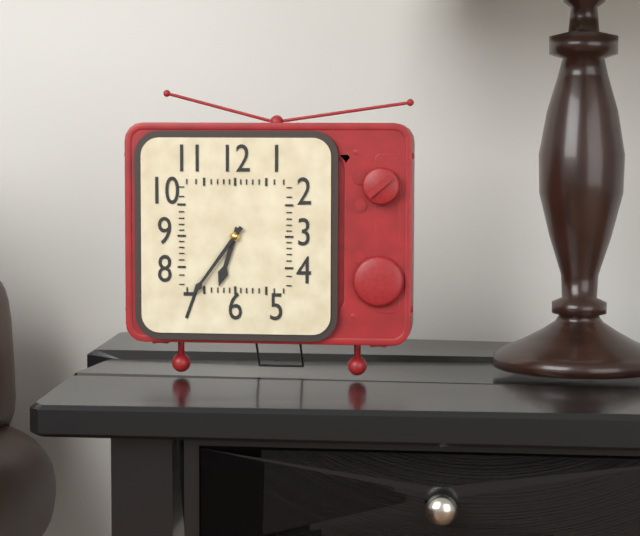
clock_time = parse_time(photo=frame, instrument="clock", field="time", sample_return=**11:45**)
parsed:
**6:36**
